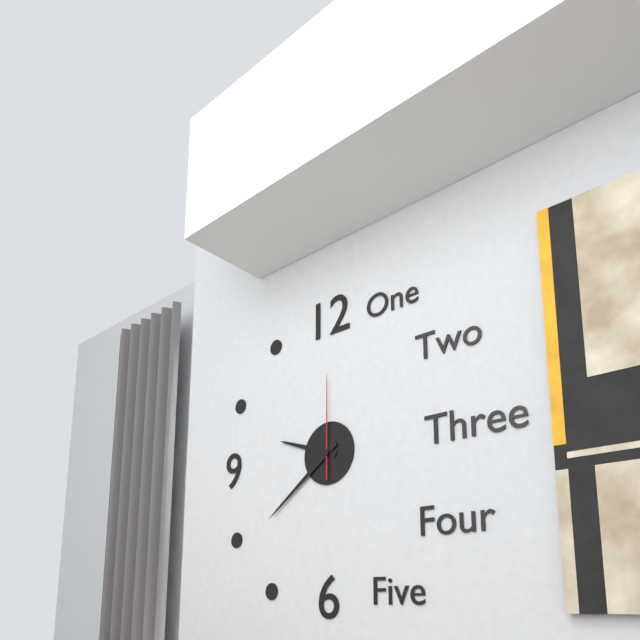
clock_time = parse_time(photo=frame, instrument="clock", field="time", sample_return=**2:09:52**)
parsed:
**9:39:00**
